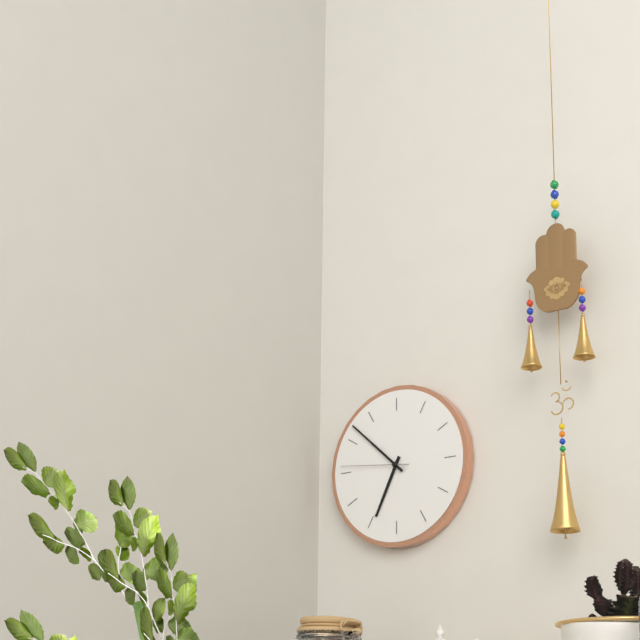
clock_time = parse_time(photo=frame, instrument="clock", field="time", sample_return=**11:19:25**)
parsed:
**6:52:46**
